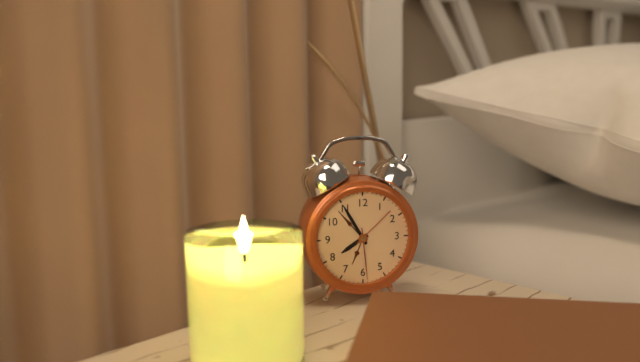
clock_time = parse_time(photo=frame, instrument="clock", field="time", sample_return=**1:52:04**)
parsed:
**7:55:29**
